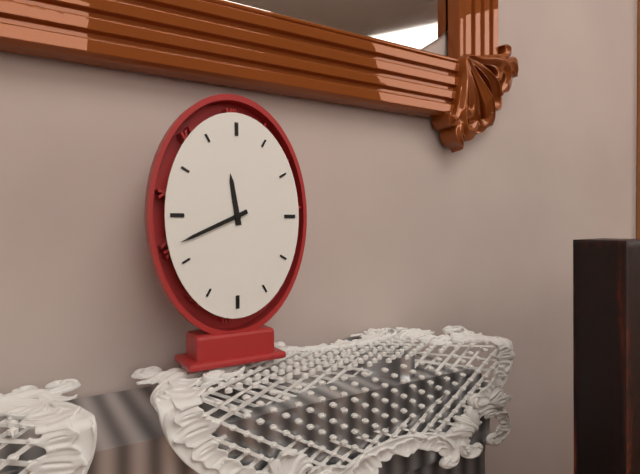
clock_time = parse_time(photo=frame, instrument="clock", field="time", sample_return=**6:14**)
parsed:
**11:41**
